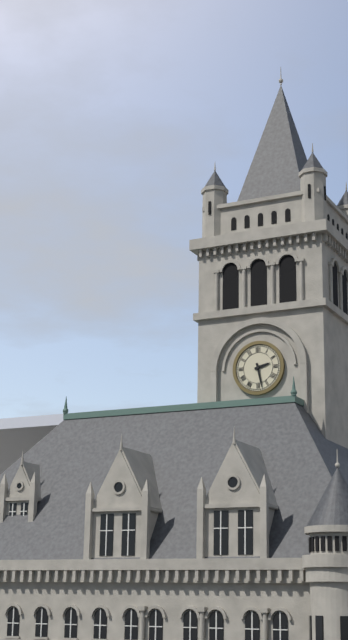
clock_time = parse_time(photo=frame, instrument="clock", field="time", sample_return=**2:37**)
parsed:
**2:28**
